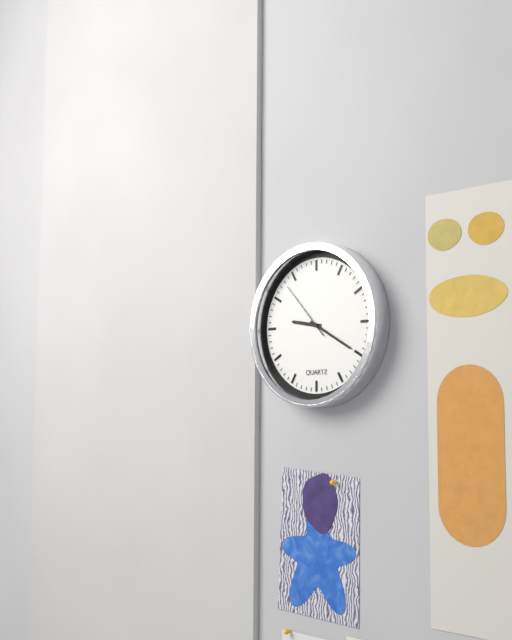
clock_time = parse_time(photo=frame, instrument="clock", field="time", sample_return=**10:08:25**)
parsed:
**9:20:53**
